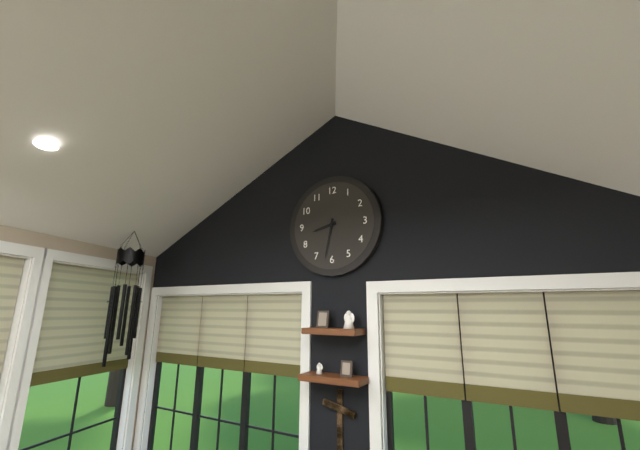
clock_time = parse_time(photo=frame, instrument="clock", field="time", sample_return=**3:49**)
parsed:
**8:32**
